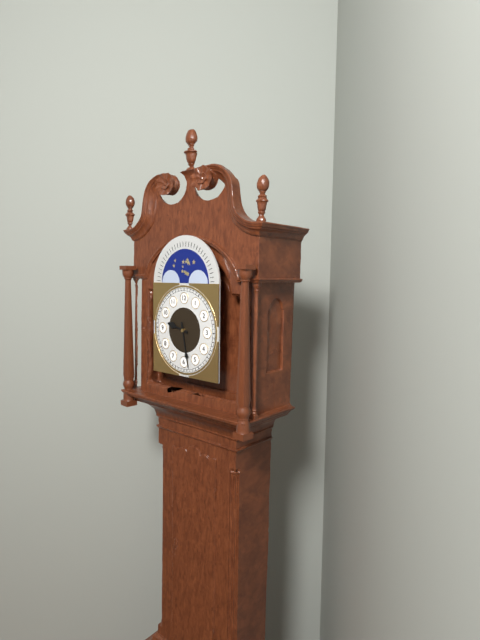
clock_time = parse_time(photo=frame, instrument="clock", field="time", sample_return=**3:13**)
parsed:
**9:28**
